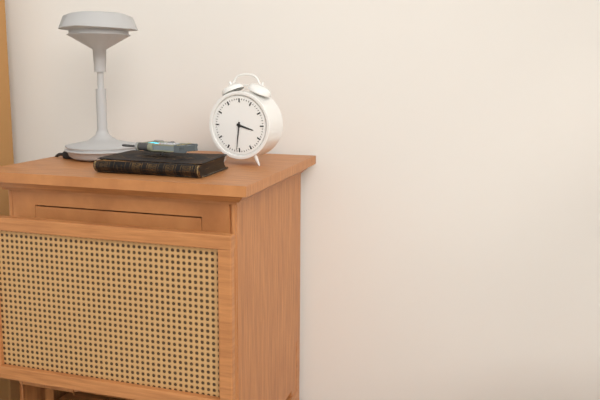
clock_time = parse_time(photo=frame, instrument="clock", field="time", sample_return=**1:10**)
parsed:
**3:31**
